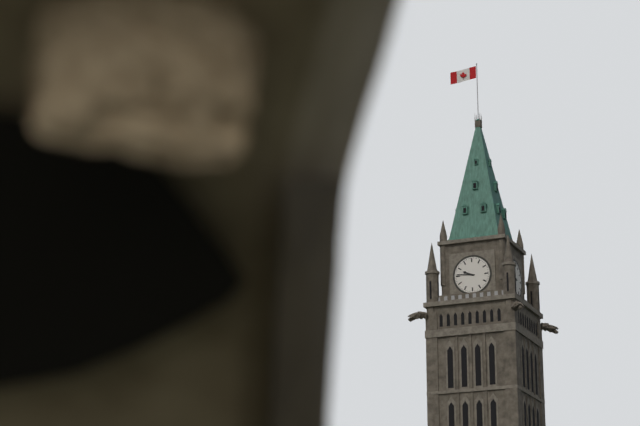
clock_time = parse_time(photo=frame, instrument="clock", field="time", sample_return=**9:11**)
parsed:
**9:46**
